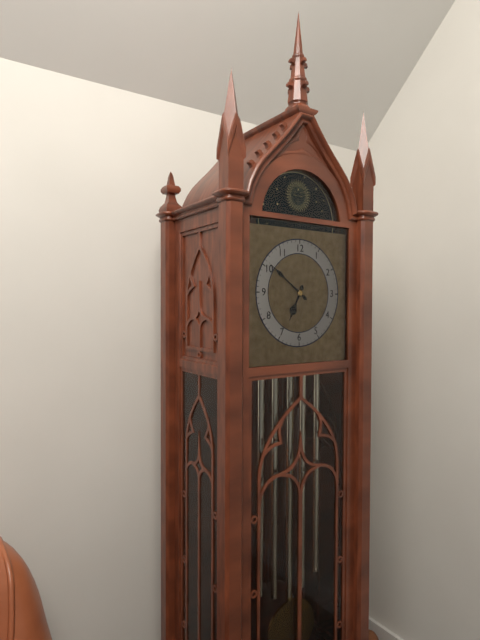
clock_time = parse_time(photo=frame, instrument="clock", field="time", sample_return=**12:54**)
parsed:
**6:51**
